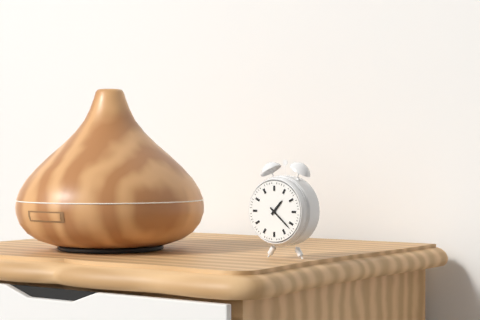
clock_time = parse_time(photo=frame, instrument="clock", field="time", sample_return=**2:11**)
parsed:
**1:22**
